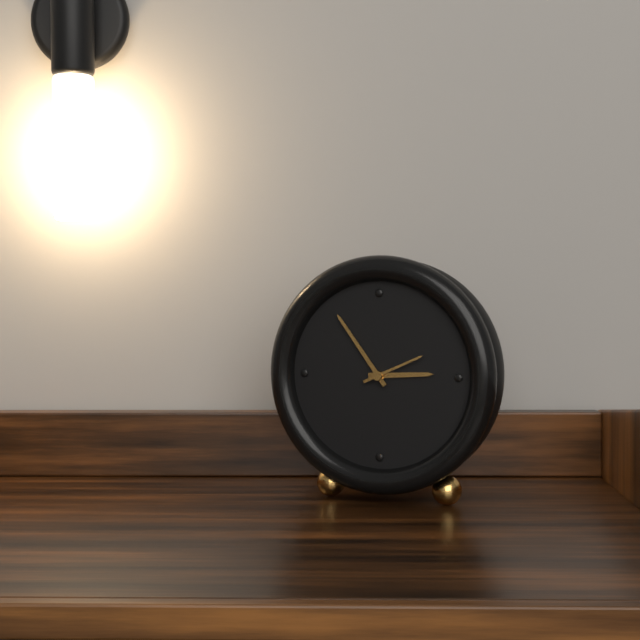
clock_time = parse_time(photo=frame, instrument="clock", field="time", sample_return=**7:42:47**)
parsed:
**2:54:11**
